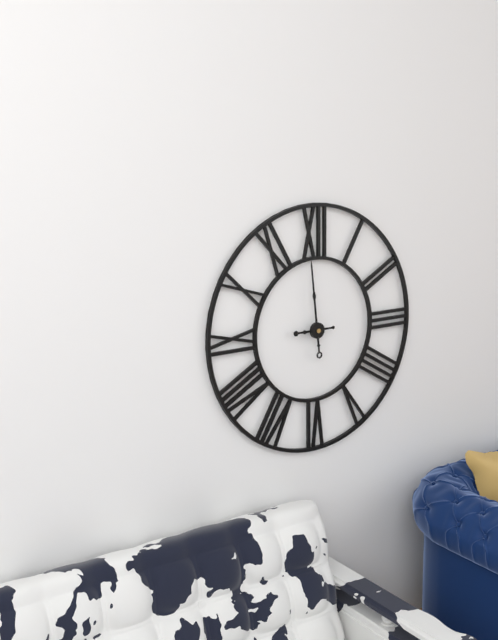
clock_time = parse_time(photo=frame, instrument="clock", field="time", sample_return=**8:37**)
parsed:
**8:59**
